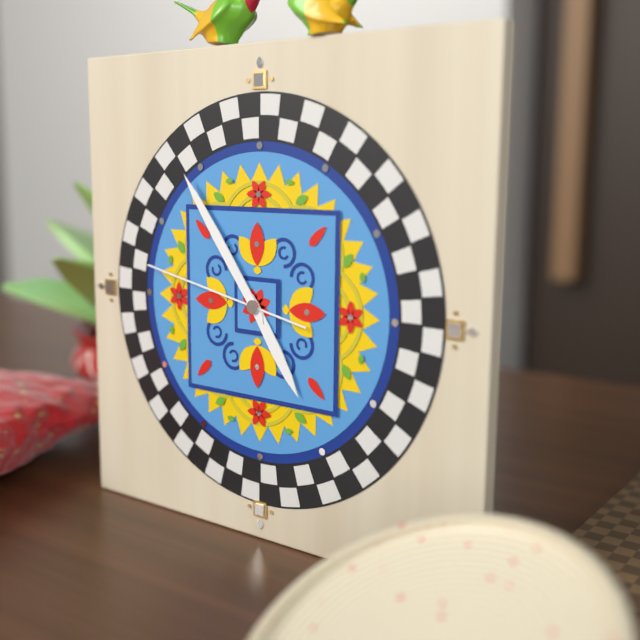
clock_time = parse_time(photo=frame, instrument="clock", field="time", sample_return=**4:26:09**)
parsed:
**4:54:47**
